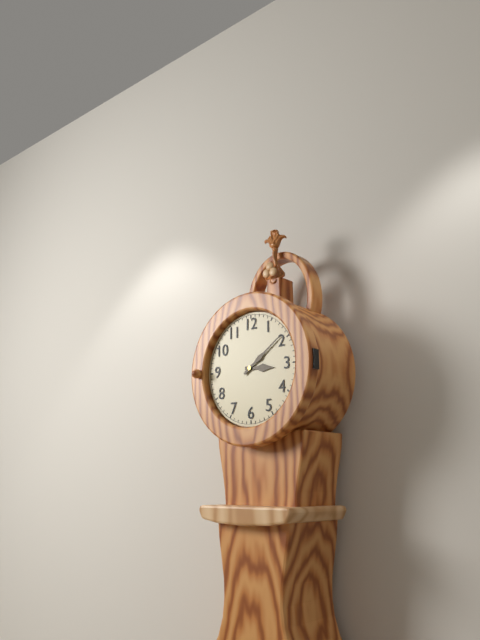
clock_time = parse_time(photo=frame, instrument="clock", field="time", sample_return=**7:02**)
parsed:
**3:09**
